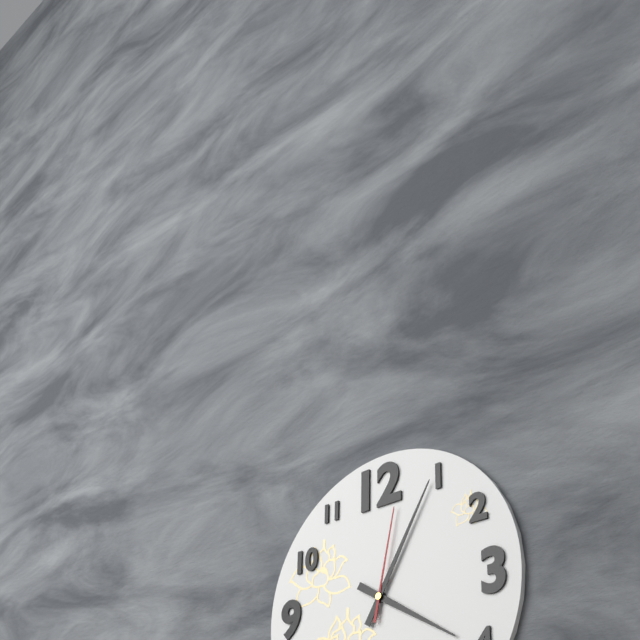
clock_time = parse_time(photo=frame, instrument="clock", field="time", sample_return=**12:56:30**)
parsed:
**4:05:02**
